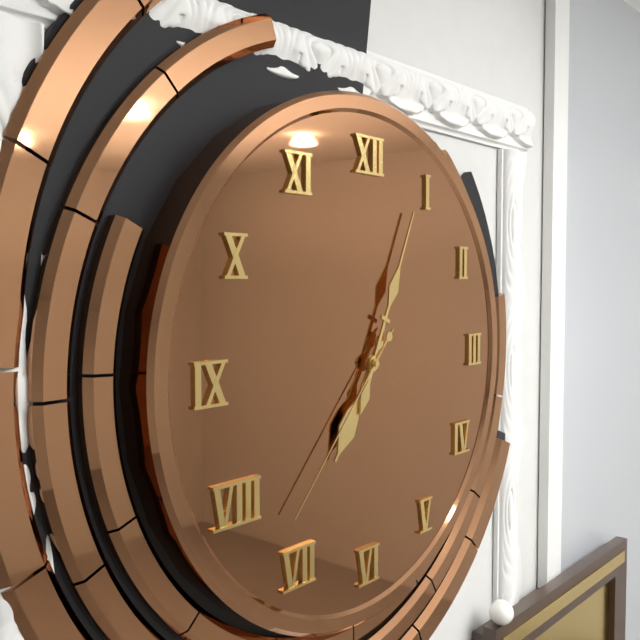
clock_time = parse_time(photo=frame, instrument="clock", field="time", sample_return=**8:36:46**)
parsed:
**7:04:37**
